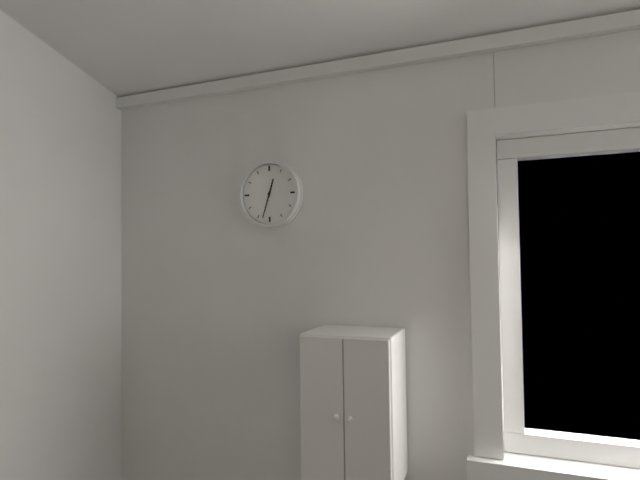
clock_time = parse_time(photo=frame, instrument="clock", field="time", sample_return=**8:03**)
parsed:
**12:33**
